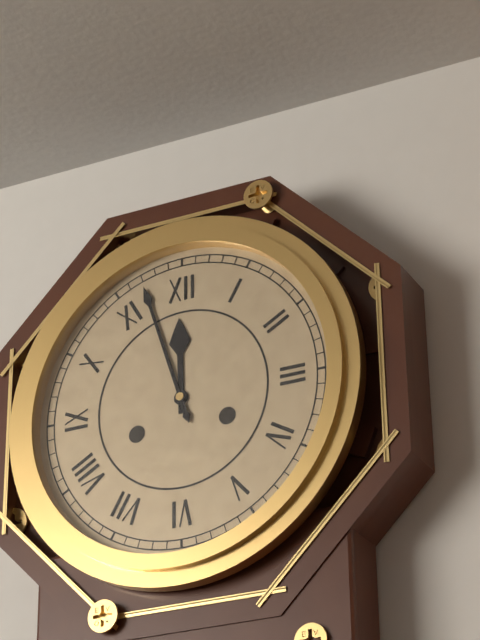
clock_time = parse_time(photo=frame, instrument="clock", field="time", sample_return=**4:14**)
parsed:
**11:57**
